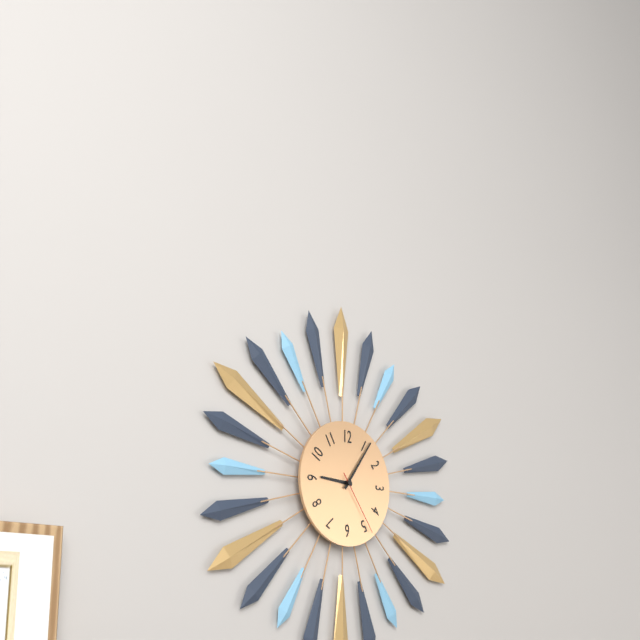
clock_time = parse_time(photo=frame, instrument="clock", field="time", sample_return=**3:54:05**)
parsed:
**9:06:24**
